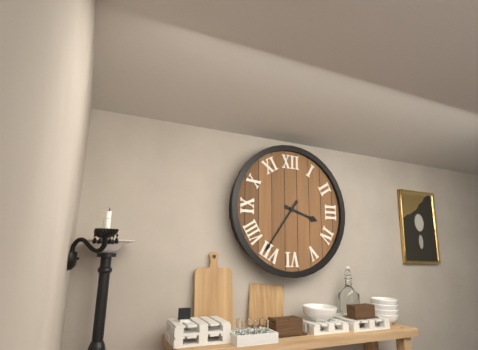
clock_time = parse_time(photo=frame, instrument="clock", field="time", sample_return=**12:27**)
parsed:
**3:36**
